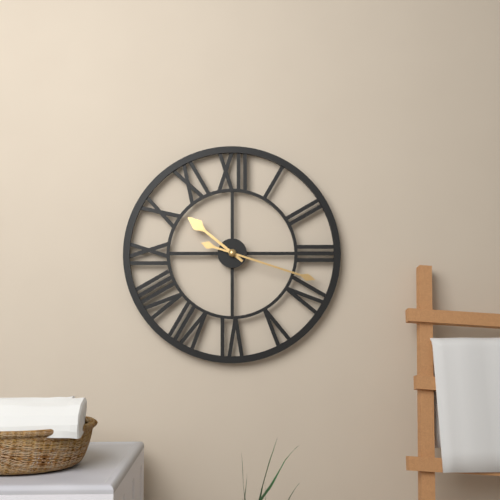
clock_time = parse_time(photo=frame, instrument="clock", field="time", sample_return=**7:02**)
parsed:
**10:18**
